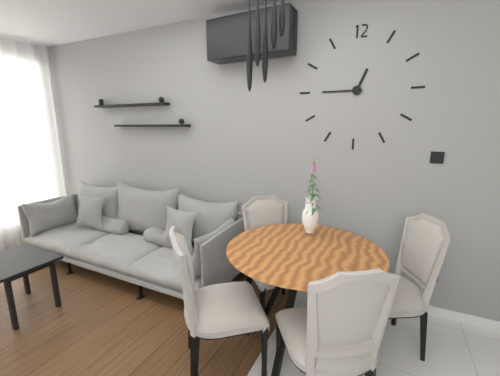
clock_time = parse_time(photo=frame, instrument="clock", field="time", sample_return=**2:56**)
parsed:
**12:45**
